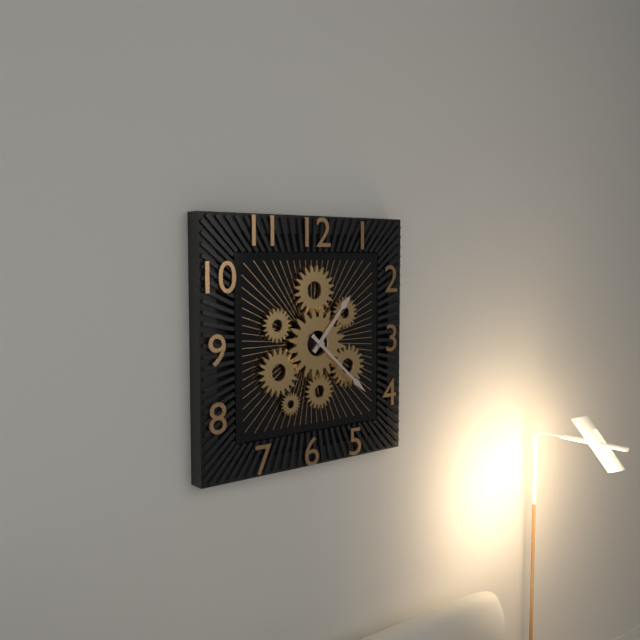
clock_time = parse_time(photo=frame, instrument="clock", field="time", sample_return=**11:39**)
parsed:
**1:22**
